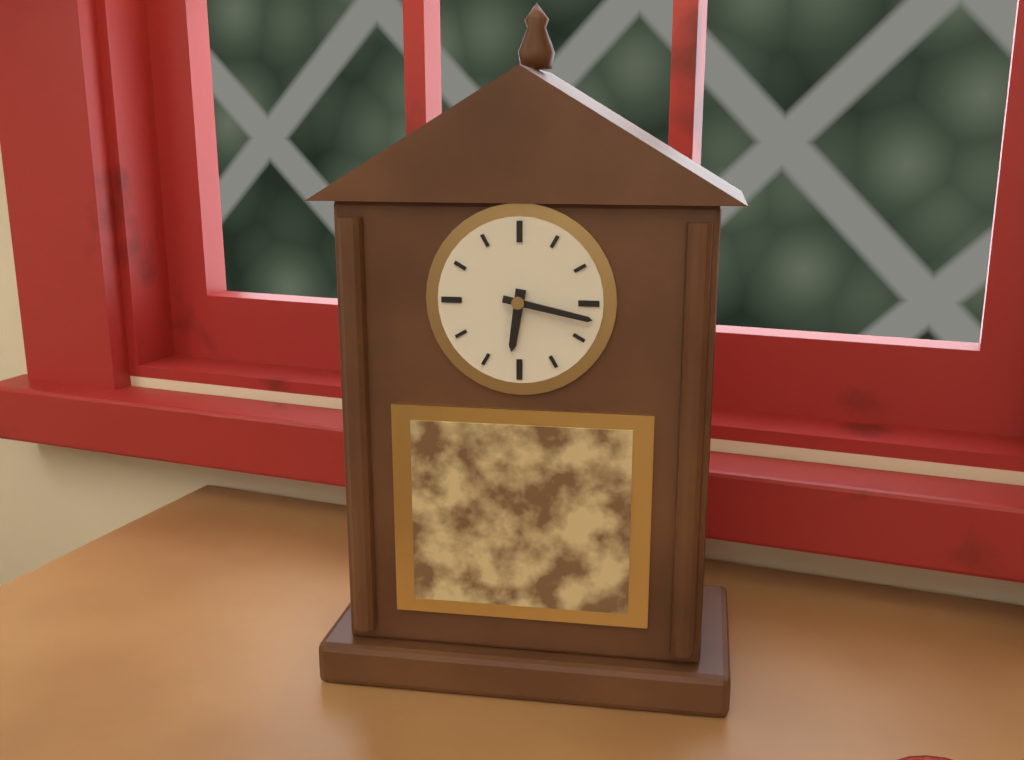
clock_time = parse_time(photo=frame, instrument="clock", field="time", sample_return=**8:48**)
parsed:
**6:17**
